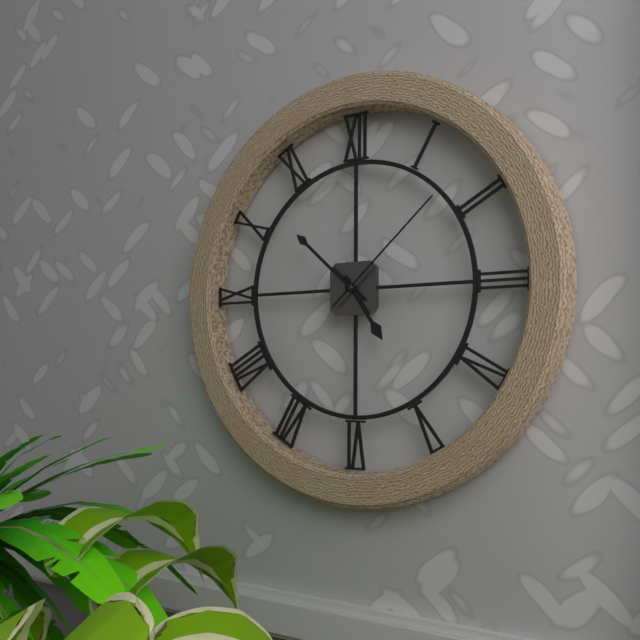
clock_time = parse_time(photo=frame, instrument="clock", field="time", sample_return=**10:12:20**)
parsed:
**4:52:08**
